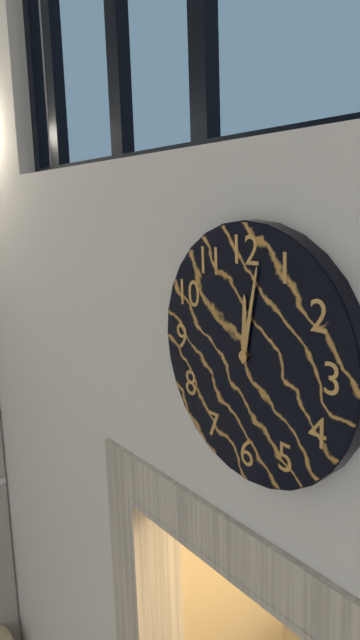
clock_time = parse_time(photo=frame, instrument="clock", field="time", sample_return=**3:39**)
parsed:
**12:02**
